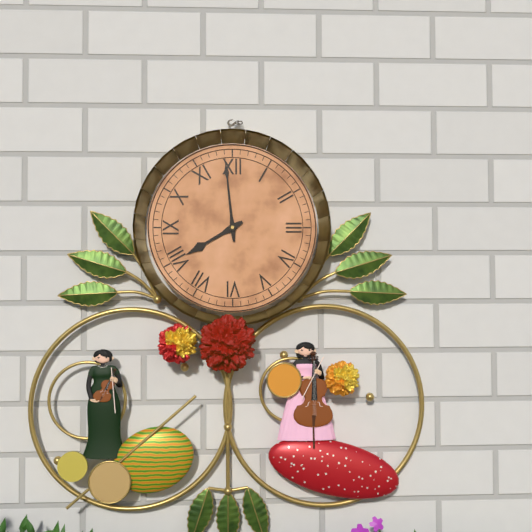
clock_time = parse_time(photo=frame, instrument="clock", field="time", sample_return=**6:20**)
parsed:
**7:59**
